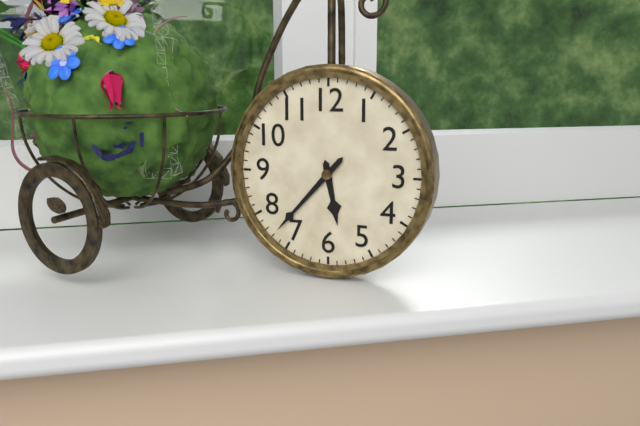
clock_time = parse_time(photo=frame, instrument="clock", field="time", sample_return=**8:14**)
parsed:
**5:37**
